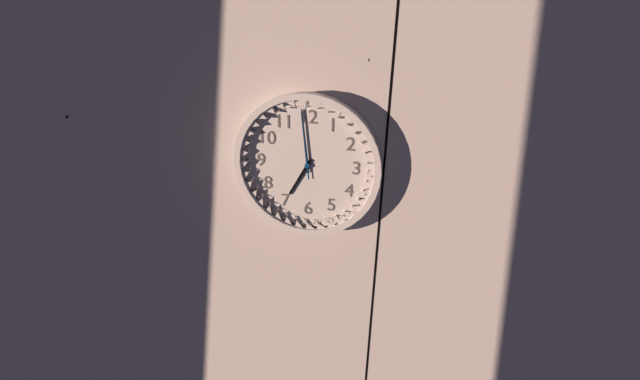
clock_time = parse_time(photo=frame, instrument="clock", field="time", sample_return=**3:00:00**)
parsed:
**6:59:59**
